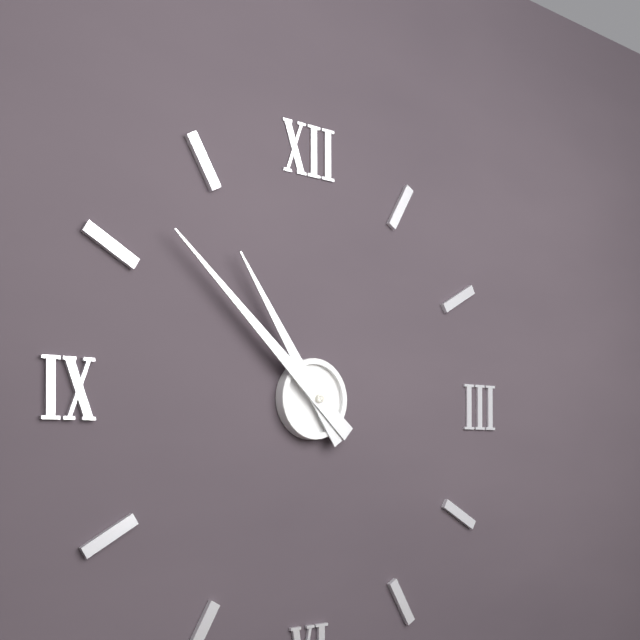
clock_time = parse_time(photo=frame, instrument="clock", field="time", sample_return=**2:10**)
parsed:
**10:52**
